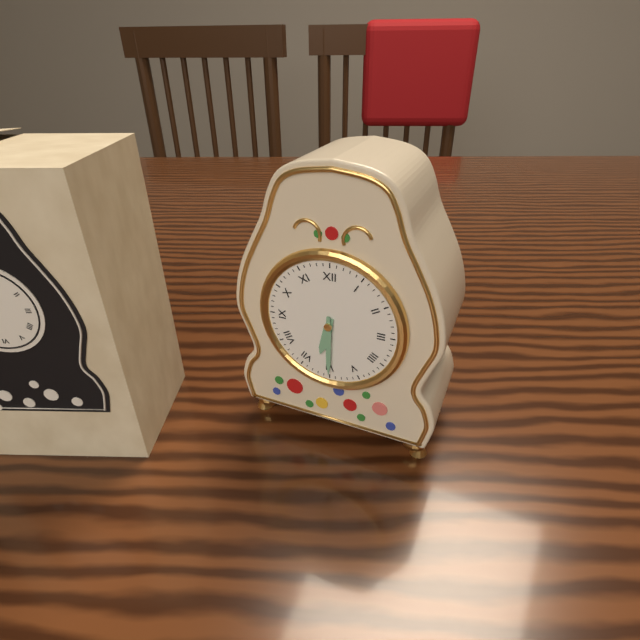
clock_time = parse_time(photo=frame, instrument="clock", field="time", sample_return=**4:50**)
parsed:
**6:30**
